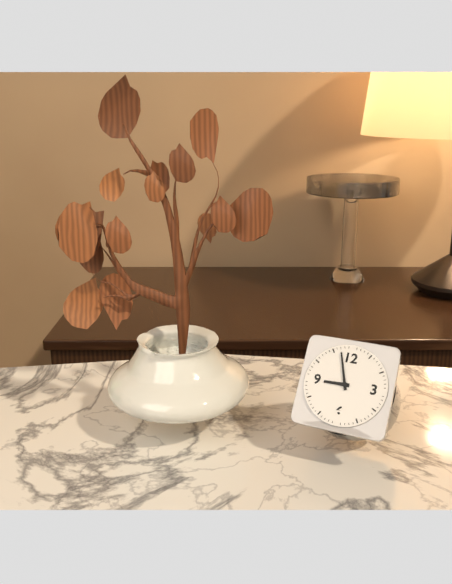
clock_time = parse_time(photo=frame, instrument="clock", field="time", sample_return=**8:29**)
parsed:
**8:57**
